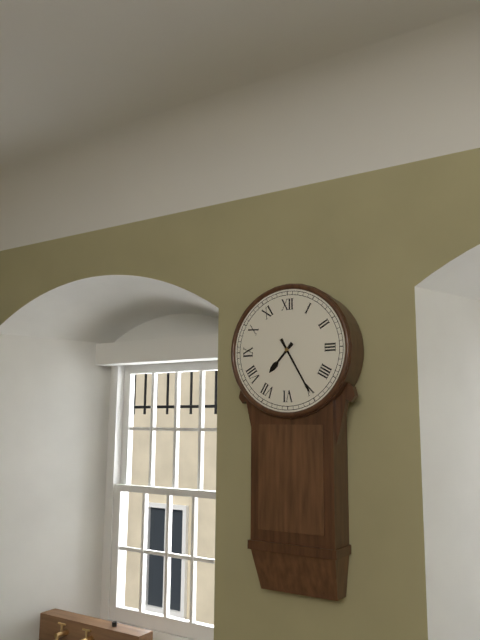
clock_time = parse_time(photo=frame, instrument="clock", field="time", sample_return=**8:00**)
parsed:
**7:25**
